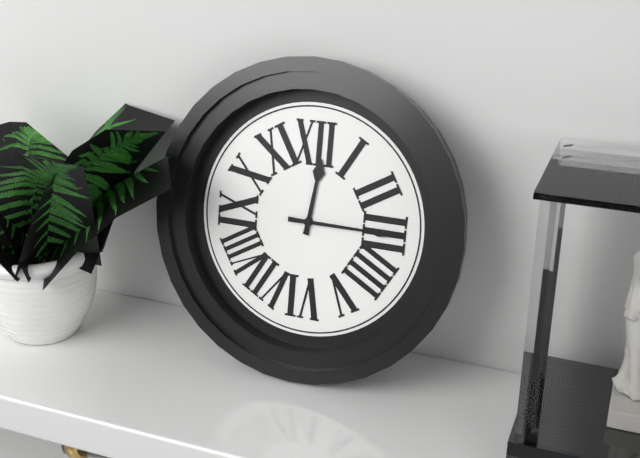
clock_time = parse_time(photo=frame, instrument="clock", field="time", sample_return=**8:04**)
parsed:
**12:15**
